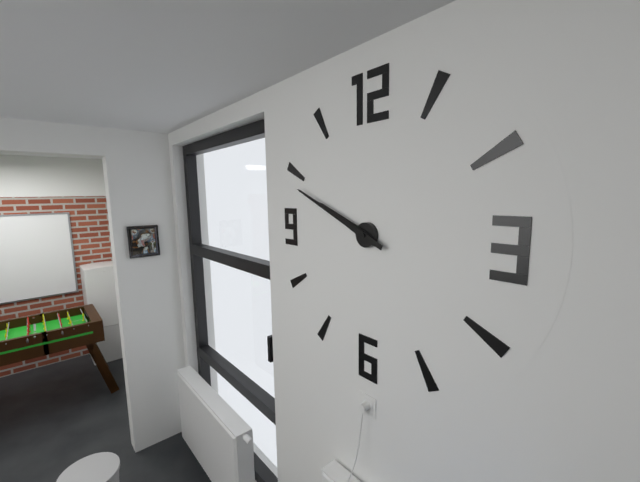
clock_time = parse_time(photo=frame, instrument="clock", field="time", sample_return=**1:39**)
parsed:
**9:49**
